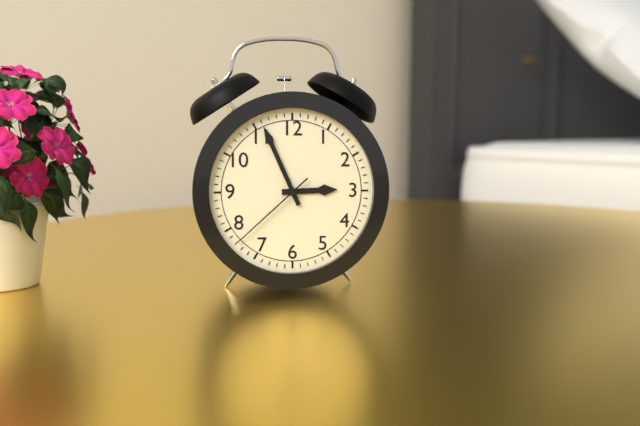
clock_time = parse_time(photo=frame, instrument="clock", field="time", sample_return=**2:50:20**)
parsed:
**2:56:38**
